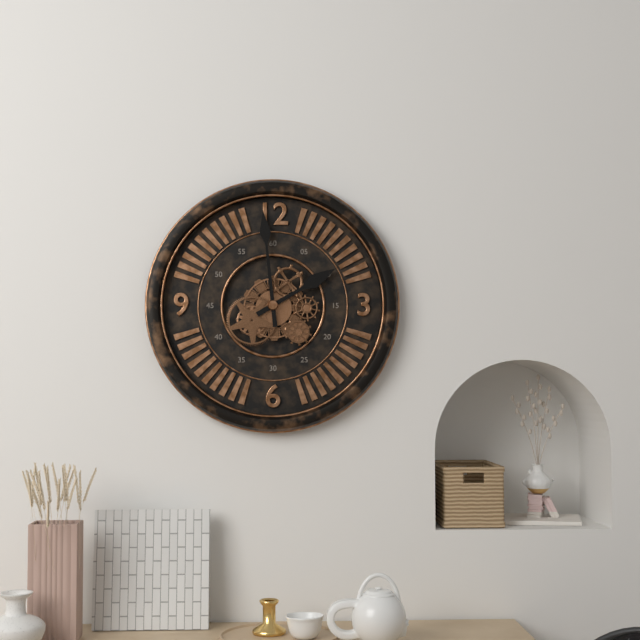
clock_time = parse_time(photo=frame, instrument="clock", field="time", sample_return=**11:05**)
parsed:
**1:59**
